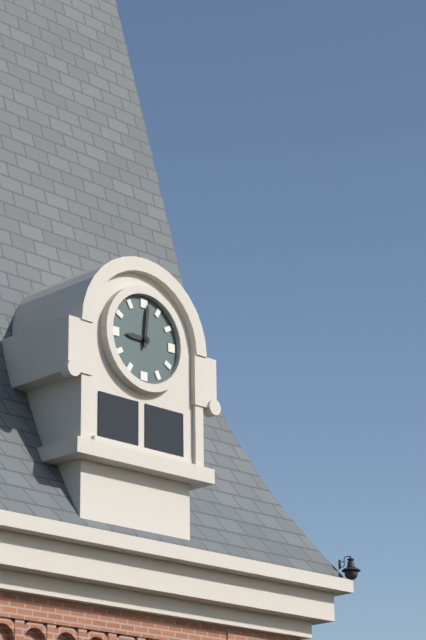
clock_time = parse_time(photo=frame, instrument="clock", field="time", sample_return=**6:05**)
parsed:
**9:01**
